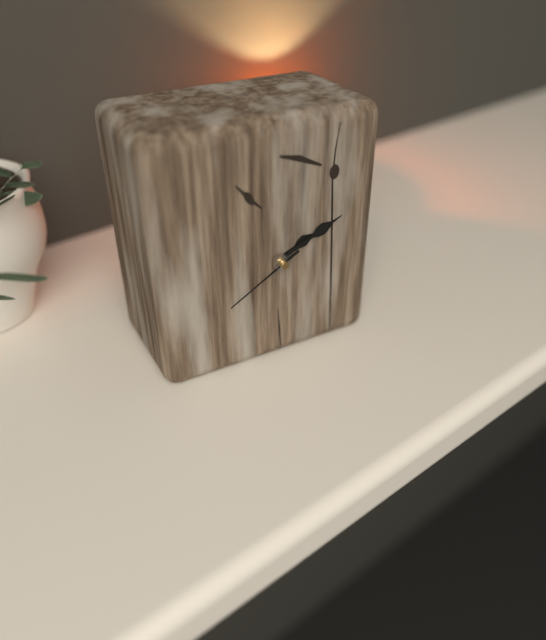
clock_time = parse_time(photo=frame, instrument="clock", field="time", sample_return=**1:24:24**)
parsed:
**2:11:40**
